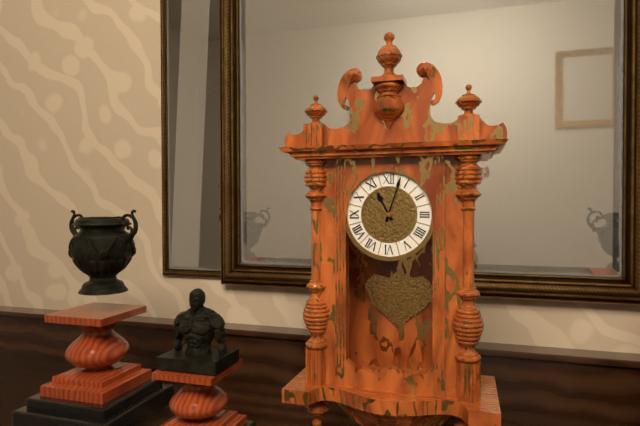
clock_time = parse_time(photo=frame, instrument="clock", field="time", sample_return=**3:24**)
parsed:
**11:03**
